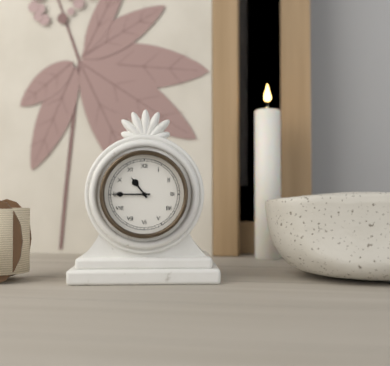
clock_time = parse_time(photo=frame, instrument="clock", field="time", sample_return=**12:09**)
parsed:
**10:45**
